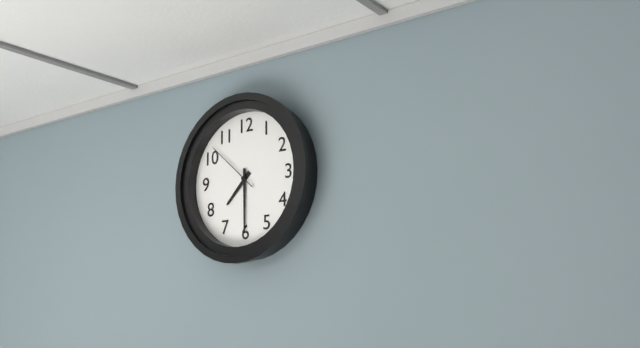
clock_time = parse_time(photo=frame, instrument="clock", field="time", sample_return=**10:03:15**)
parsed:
**7:30:52**
